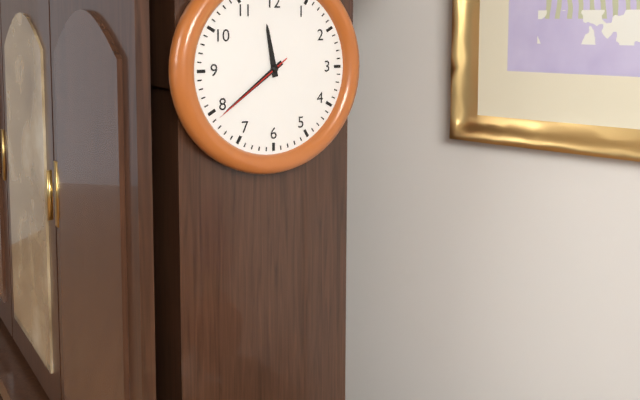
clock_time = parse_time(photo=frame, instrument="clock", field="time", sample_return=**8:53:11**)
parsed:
**11:39:39**
